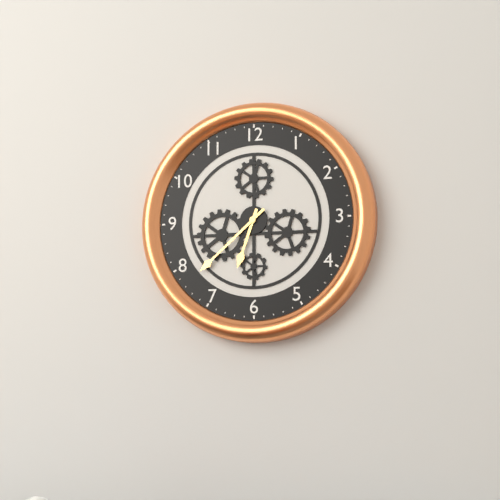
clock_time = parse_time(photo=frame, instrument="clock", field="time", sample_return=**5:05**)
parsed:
**6:38**
